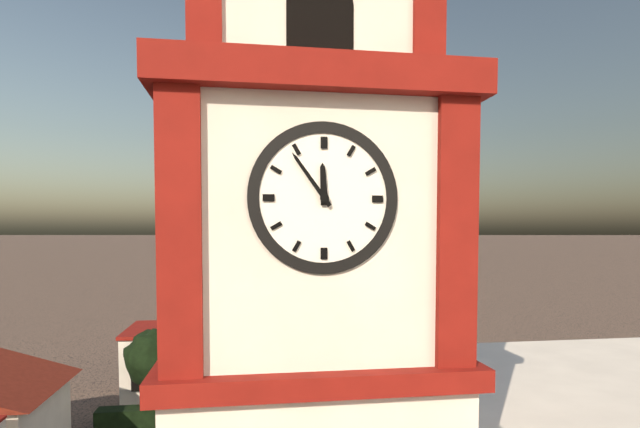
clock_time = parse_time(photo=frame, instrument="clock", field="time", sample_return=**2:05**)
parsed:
**11:54**
